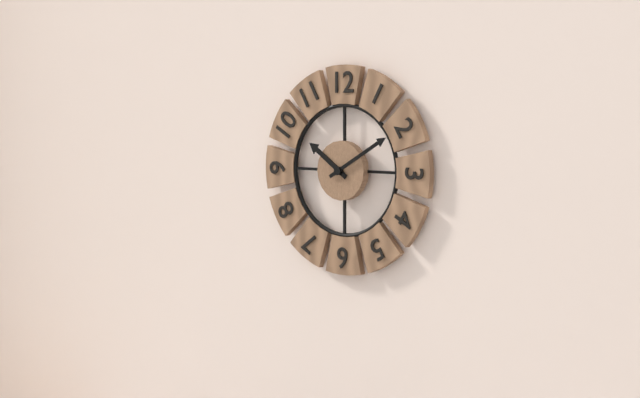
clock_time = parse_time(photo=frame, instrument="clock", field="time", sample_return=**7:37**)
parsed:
**10:10**
